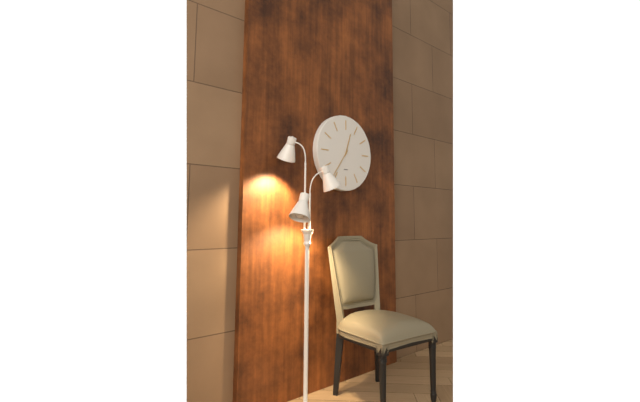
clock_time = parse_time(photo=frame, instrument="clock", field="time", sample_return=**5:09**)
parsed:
**12:36**
